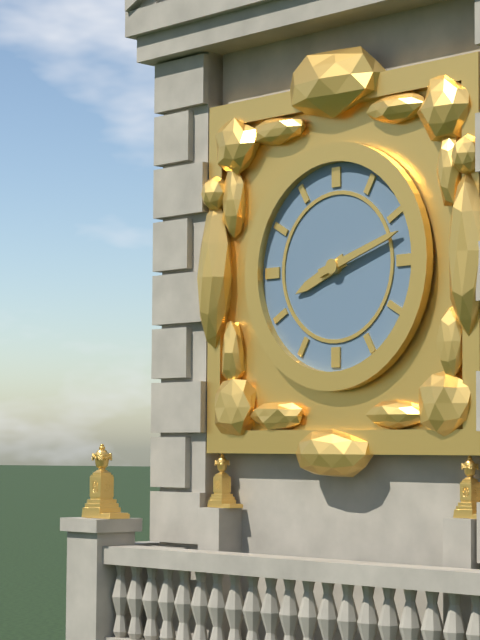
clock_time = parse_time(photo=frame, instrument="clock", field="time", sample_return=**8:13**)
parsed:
**8:12**
